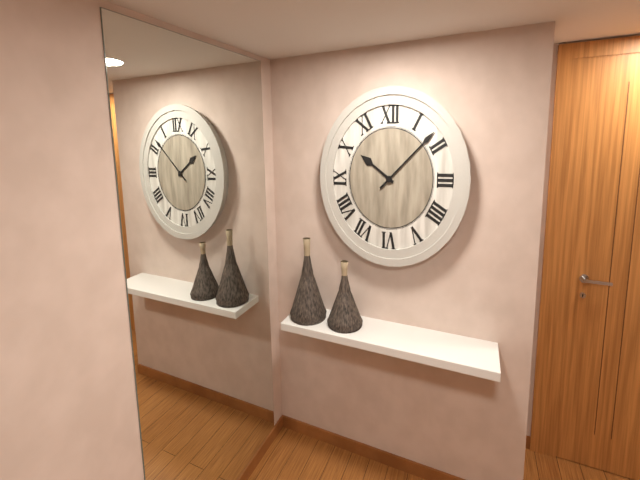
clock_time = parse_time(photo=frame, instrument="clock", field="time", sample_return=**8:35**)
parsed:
**10:08**
